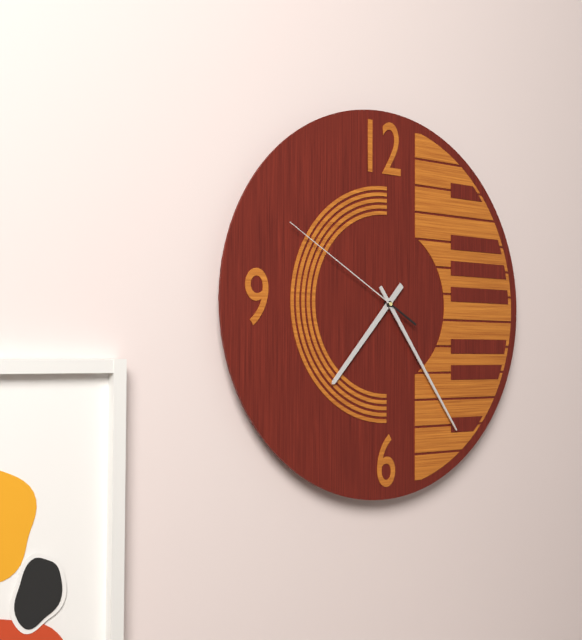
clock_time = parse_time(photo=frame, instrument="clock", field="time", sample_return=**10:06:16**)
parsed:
**7:24:50**
